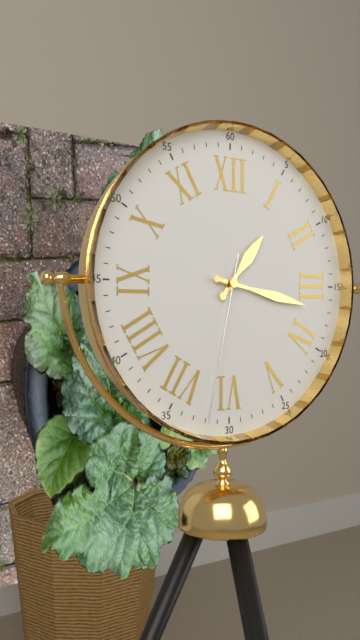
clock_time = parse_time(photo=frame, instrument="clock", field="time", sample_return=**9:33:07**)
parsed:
**1:17:32**
